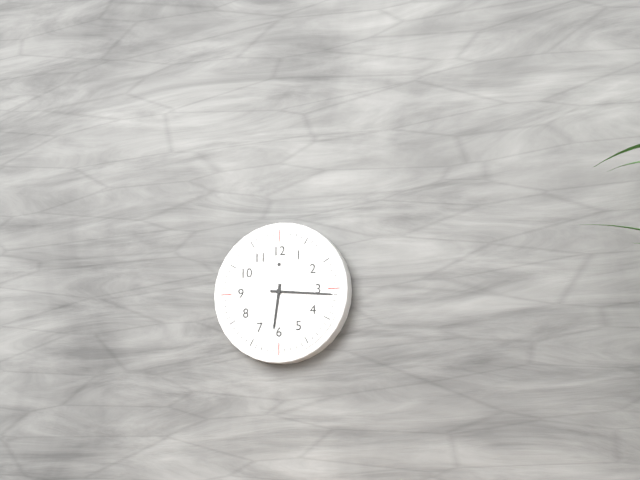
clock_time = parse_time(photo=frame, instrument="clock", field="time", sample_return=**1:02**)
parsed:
**6:16**
